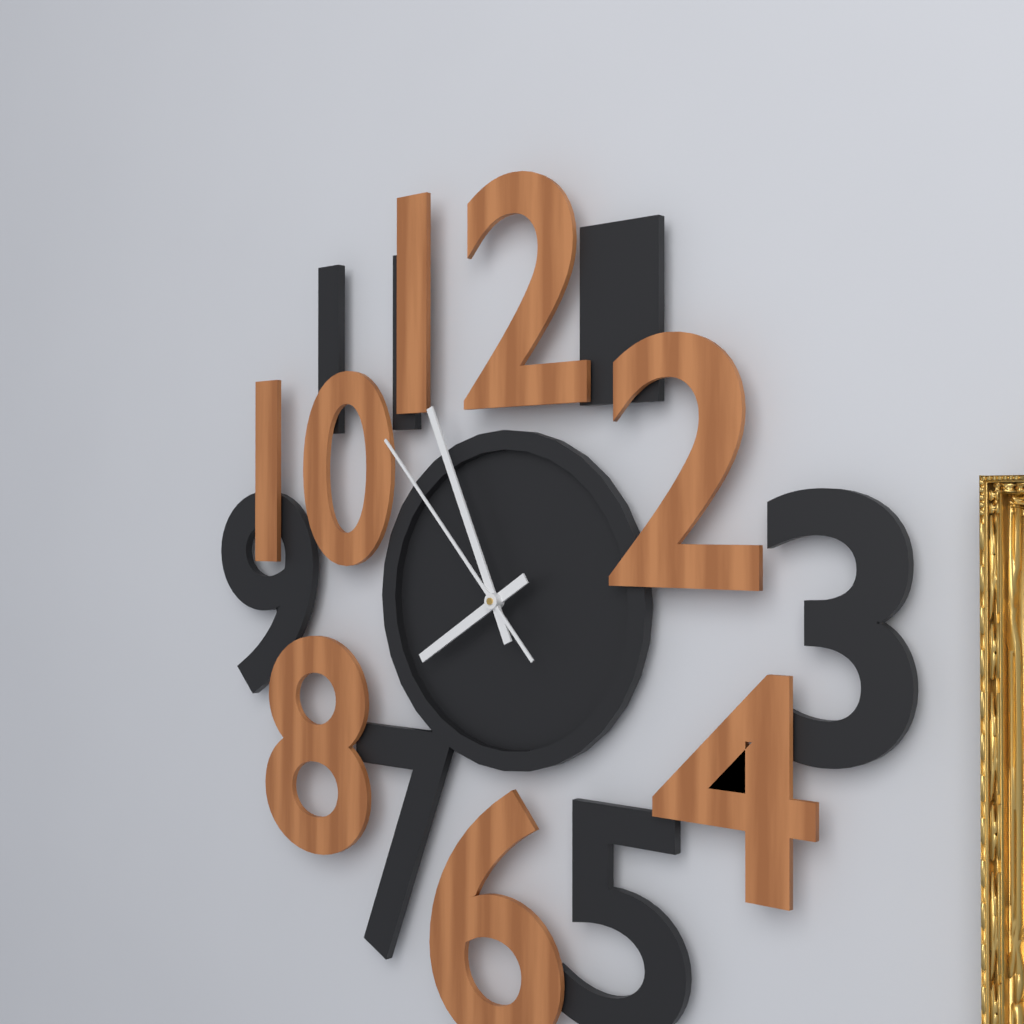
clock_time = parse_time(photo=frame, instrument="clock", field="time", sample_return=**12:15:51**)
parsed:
**7:56:53**
